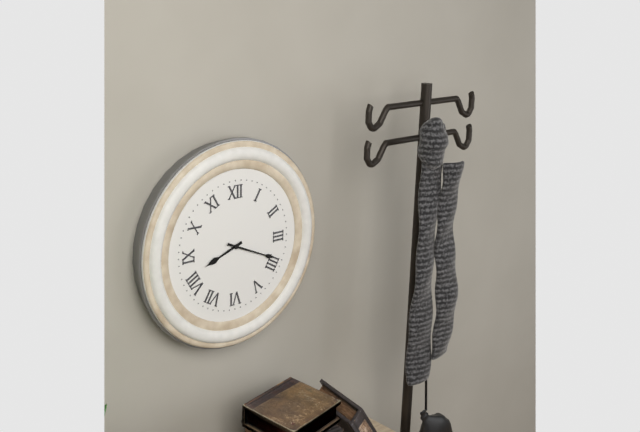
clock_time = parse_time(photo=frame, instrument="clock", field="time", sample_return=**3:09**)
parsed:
**8:19**
